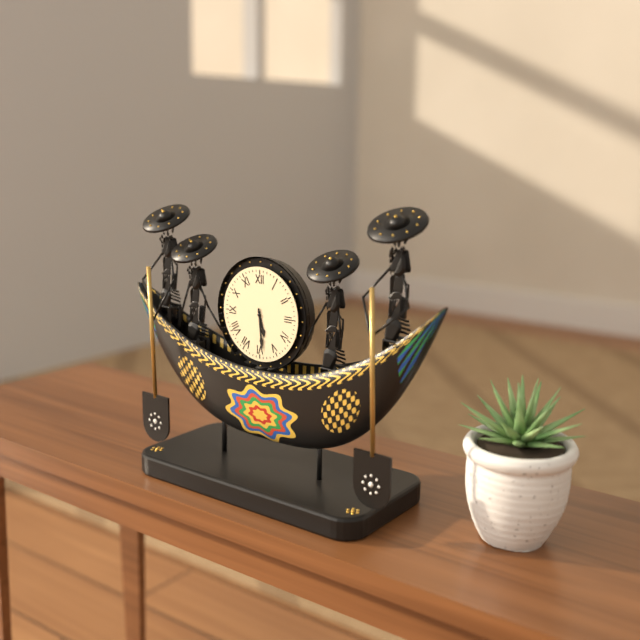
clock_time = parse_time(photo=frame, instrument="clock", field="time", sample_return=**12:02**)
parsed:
**5:29**
